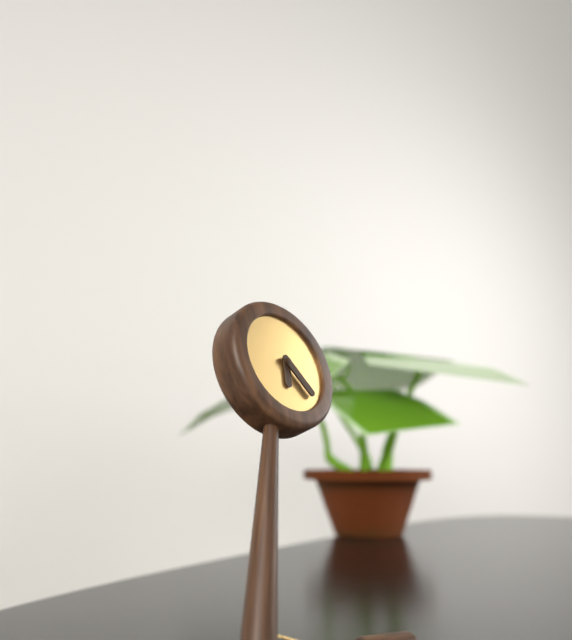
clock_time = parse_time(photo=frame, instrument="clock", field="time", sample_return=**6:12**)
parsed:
**6:24**
